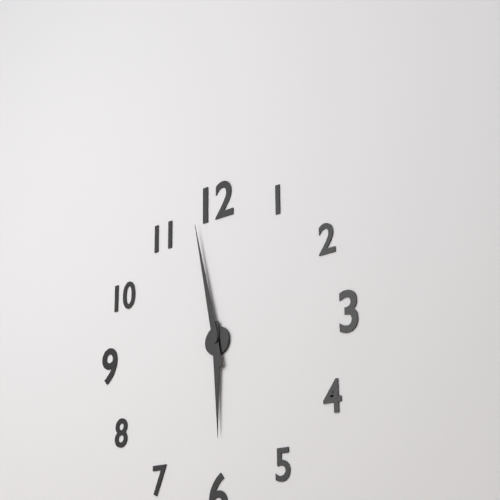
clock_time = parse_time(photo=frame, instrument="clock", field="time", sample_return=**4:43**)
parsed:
**5:58**
